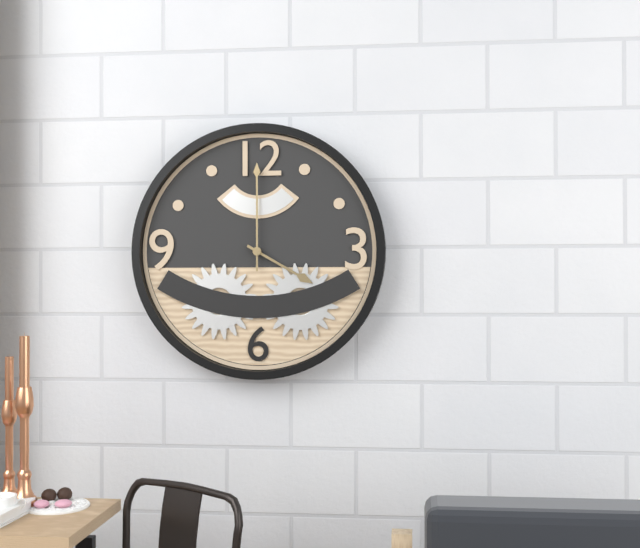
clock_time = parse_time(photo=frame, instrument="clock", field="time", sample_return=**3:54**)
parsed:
**4:00**
